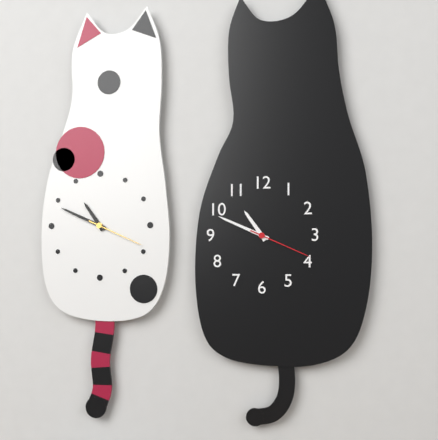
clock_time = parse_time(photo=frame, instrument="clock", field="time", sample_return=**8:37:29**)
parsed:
**10:49:19**
